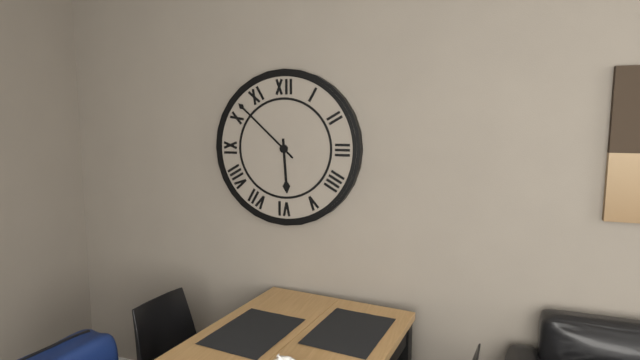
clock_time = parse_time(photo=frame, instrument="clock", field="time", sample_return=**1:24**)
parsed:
**5:52**
